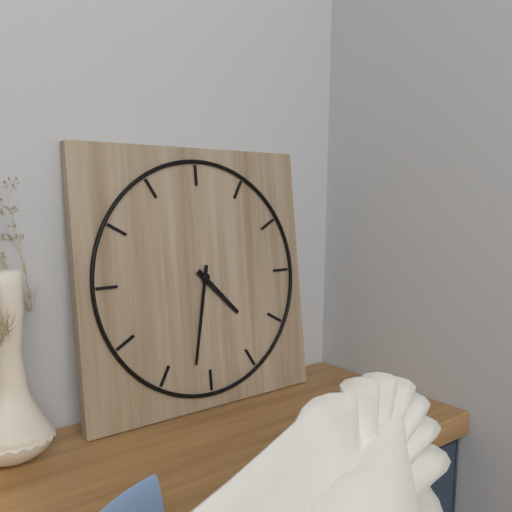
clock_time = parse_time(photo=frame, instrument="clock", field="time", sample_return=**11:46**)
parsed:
**4:32**
